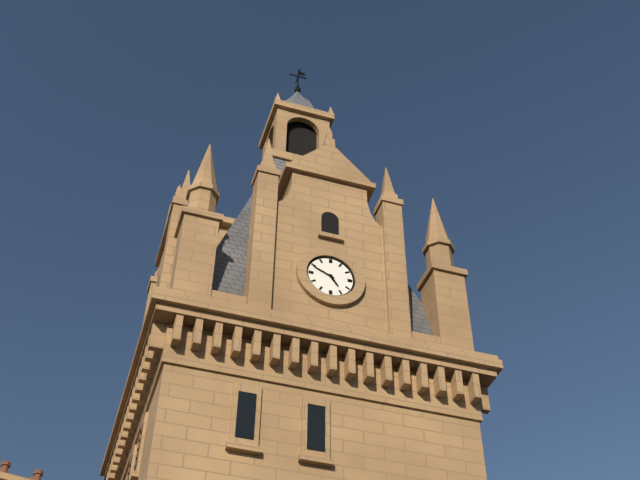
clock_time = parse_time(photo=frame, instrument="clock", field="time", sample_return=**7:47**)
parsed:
**4:49**
